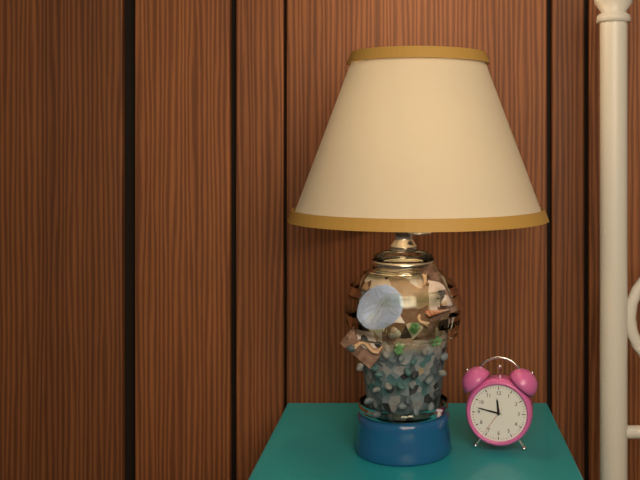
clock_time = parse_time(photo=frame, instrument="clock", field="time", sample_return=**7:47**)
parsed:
**11:47**
